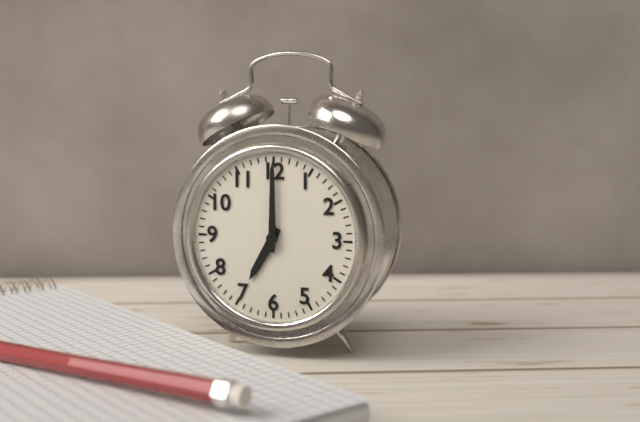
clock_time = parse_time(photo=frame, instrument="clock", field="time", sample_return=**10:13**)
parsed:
**7:00**
